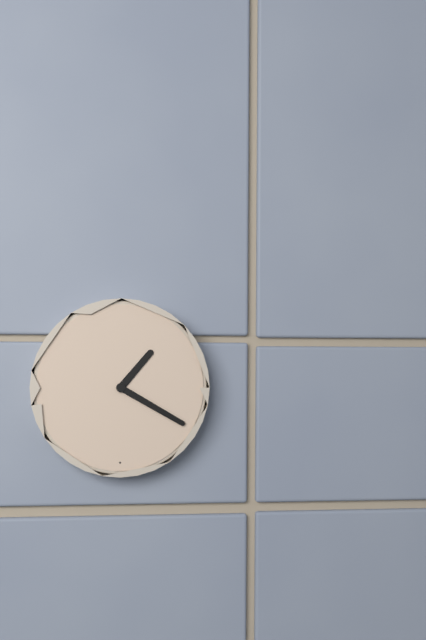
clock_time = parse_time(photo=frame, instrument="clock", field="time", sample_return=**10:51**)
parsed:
**1:20**
